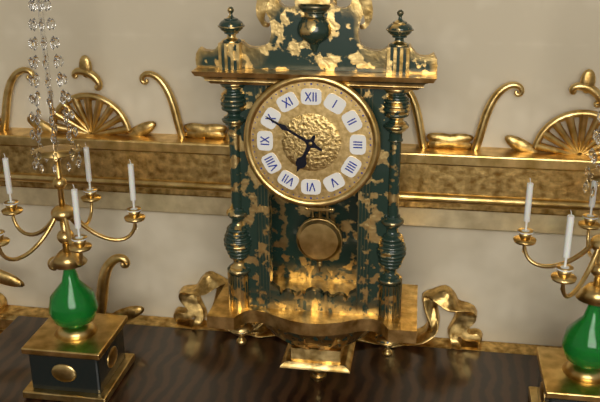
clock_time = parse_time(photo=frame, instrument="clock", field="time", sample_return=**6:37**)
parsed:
**6:50**
